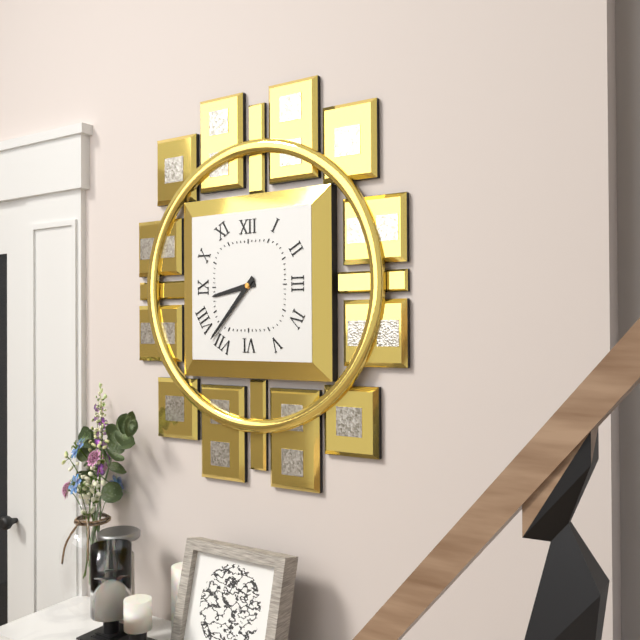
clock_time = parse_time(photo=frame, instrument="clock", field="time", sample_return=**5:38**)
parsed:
**8:37**
